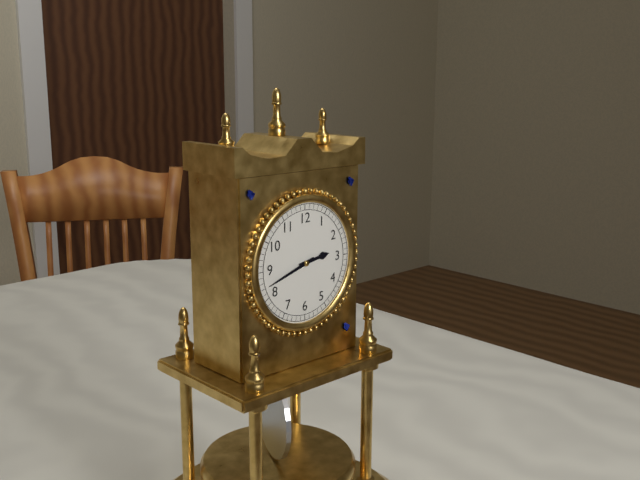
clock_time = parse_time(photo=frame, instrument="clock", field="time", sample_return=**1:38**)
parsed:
**2:42**
